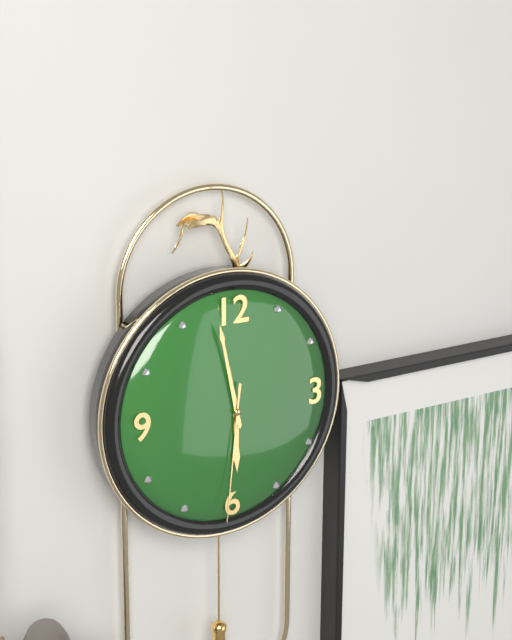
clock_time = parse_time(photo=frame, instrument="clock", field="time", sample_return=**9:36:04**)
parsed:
**5:58:31**
